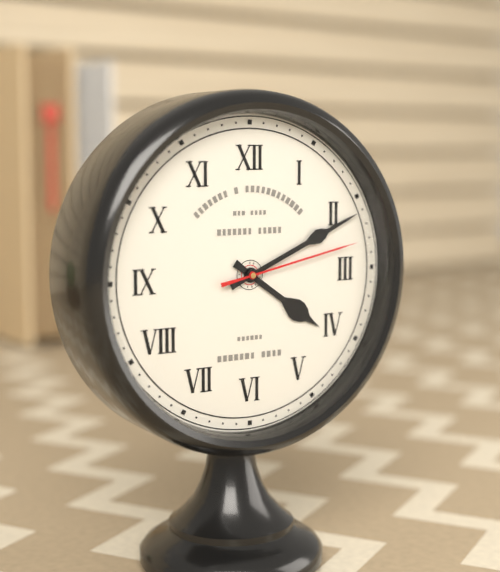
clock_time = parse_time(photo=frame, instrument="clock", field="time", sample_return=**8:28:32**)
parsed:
**4:11:13**
